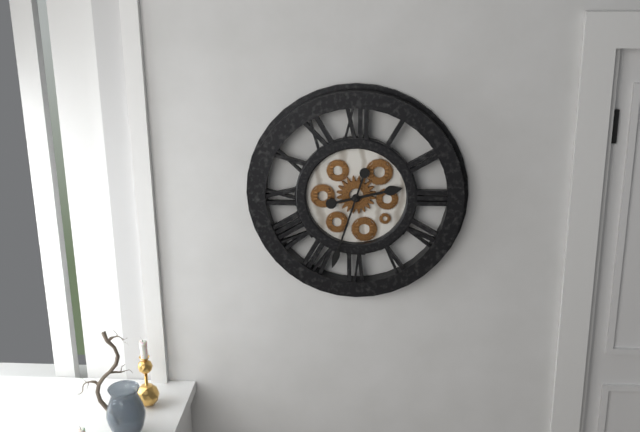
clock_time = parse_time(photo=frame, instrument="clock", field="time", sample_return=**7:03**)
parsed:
**2:33**
